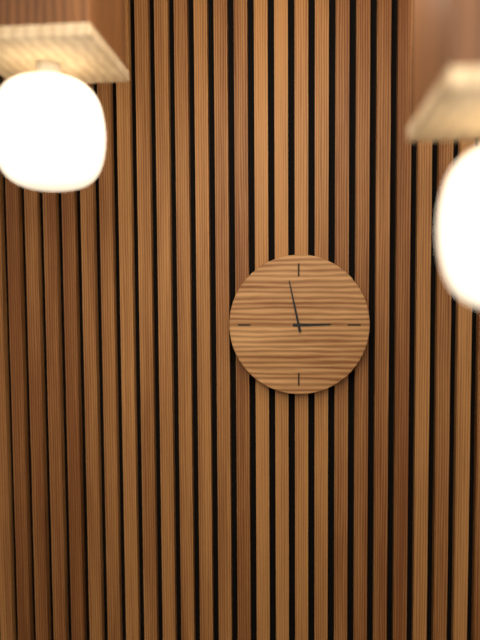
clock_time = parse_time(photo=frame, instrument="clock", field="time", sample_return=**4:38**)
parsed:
**2:58**
